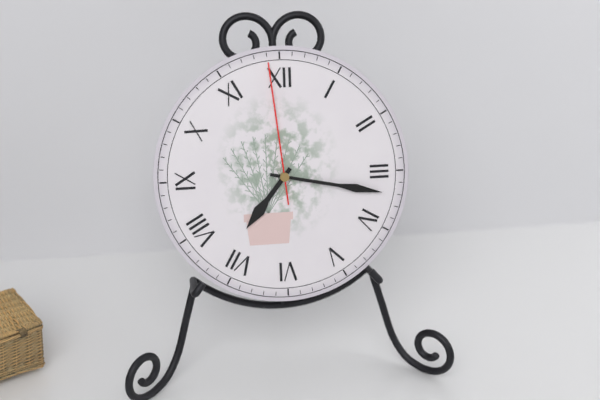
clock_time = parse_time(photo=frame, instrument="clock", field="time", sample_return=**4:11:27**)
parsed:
**7:17:59**
